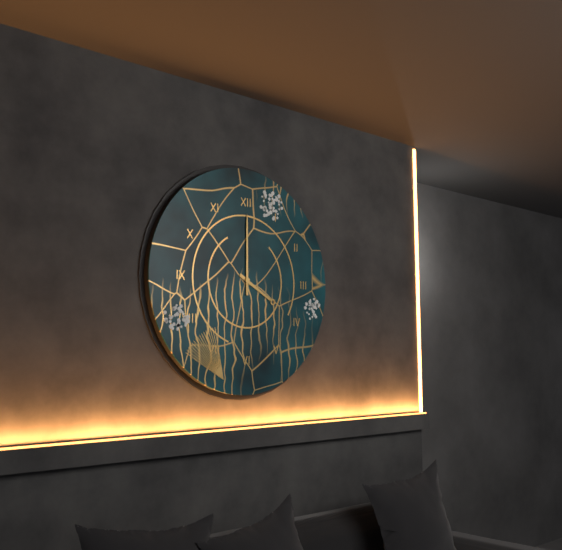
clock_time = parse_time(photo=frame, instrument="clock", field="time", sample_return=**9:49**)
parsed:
**4:00**
